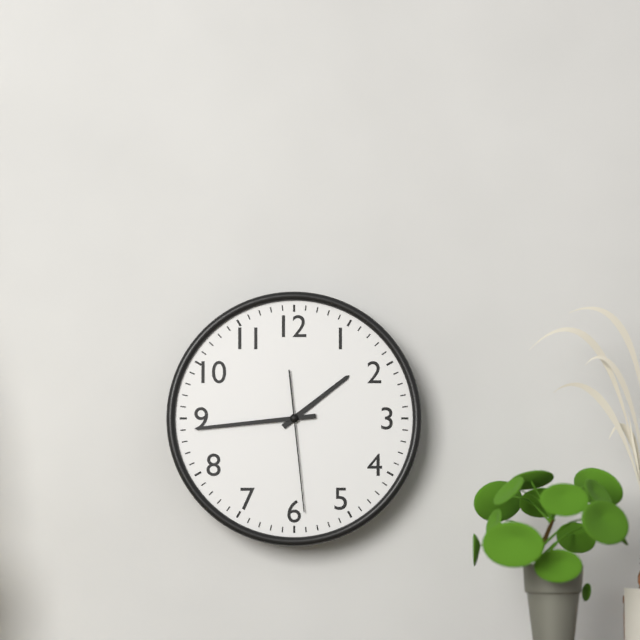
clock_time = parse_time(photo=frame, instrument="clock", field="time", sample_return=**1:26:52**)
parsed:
**1:44:29**
